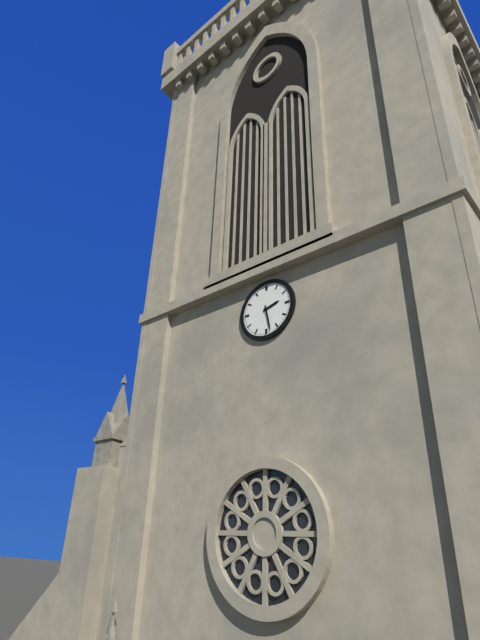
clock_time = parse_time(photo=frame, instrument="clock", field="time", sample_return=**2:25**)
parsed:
**2:28**
